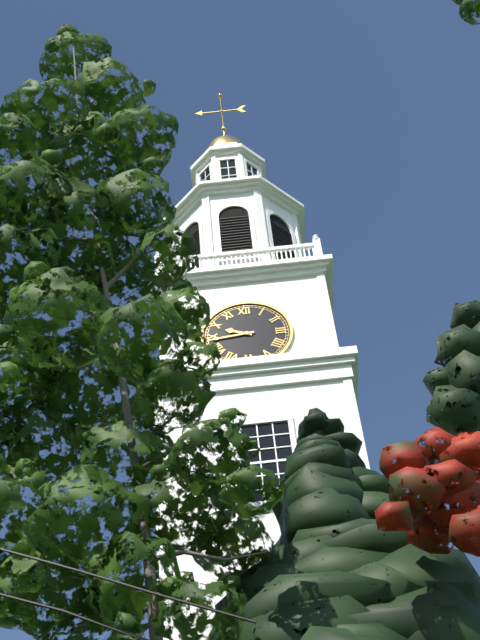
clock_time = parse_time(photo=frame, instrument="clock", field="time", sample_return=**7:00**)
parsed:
**9:44**
